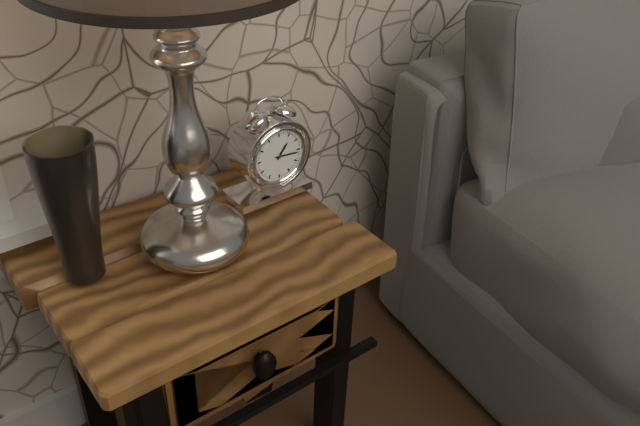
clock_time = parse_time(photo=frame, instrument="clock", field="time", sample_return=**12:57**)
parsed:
**1:16**
